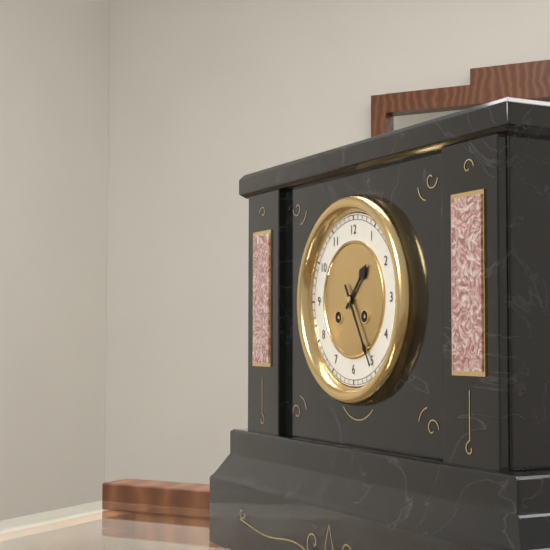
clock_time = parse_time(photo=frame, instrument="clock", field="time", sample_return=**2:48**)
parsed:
**1:25**
